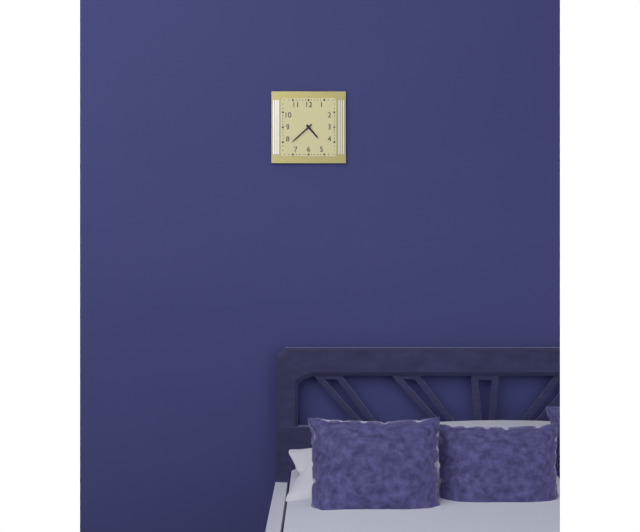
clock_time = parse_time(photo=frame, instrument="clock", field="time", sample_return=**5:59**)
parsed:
**4:38**
